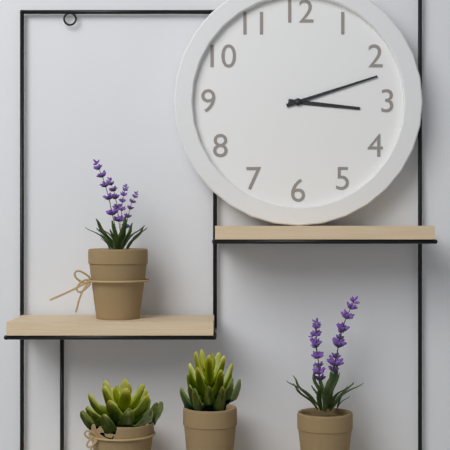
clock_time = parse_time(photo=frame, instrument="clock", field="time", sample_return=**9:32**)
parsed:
**3:12**
